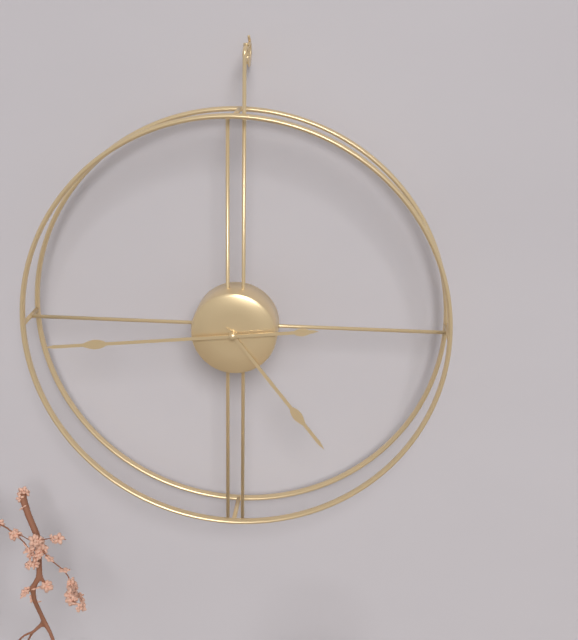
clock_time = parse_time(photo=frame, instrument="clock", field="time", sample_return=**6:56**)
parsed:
**4:44**
